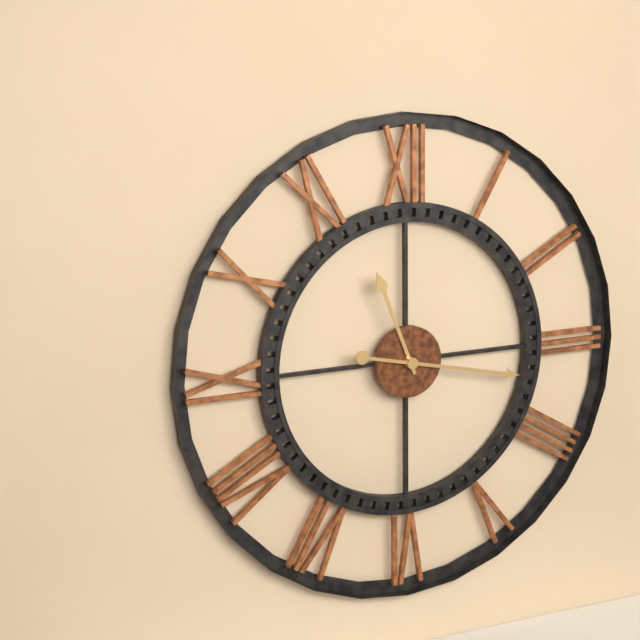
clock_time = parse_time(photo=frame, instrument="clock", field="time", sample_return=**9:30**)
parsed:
**11:17**
